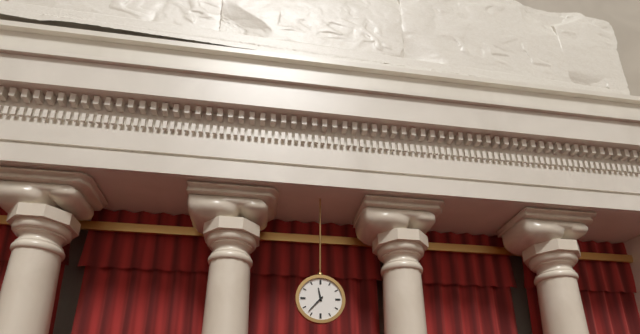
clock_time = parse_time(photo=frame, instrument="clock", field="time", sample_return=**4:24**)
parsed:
**11:37**
